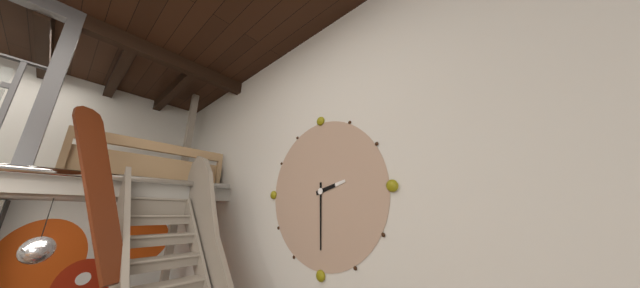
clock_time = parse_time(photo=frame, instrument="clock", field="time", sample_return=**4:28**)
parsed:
**2:30**
